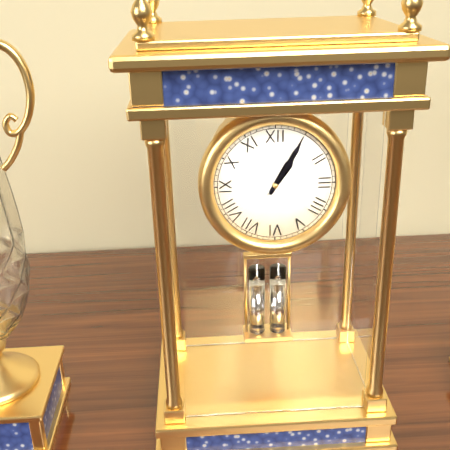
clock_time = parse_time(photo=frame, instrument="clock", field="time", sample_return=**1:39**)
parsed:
**1:05**
